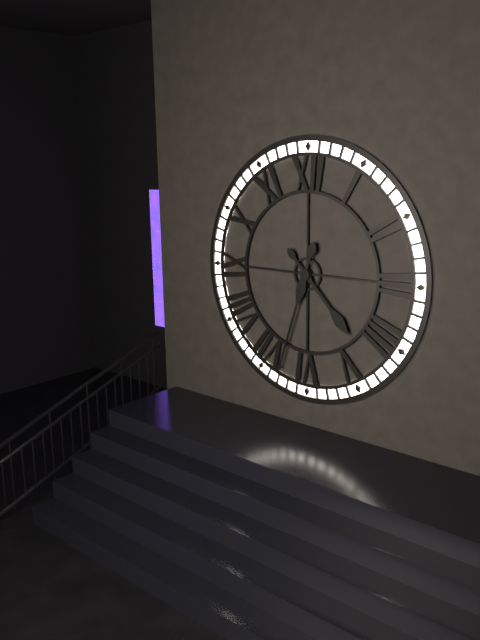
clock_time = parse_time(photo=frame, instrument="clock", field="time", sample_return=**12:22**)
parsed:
**4:33**
